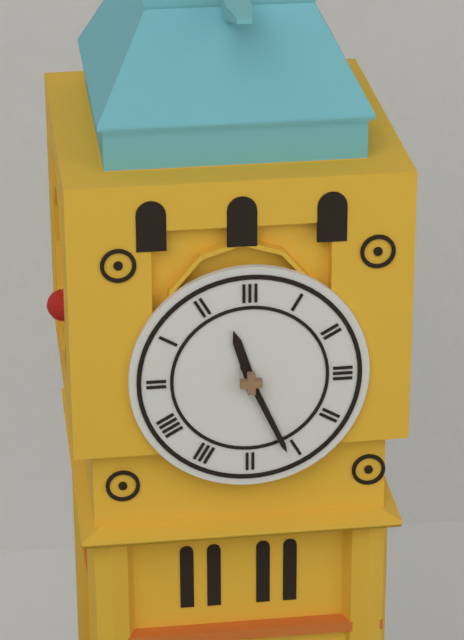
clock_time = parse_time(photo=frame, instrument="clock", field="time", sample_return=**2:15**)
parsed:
**11:26**
